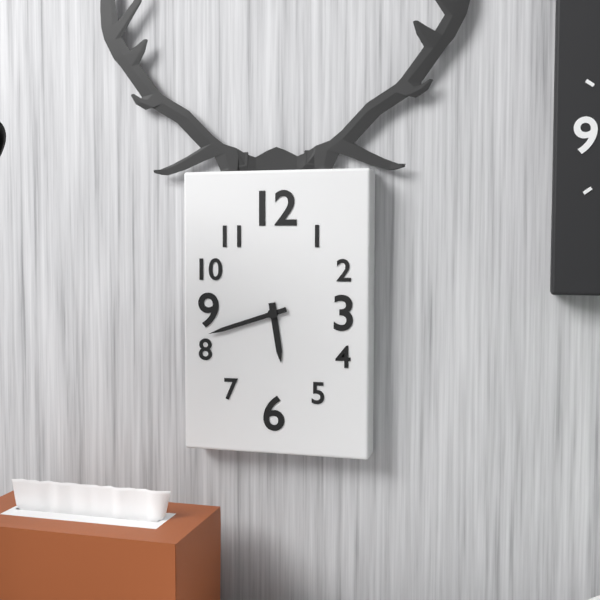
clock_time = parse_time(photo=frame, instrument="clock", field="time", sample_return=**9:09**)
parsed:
**5:42**
